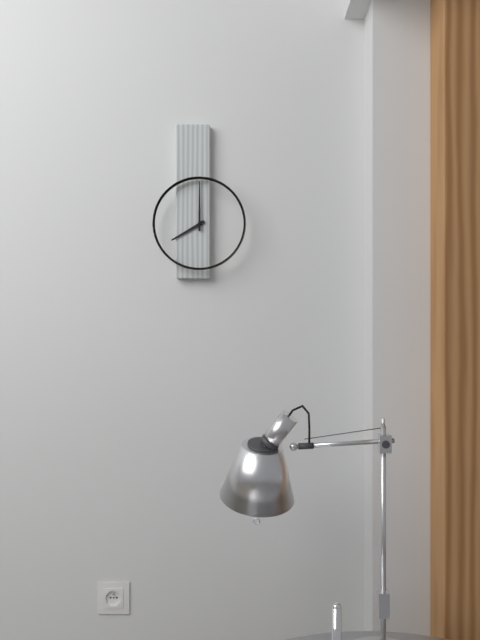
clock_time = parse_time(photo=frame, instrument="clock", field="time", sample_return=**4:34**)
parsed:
**8:00**
